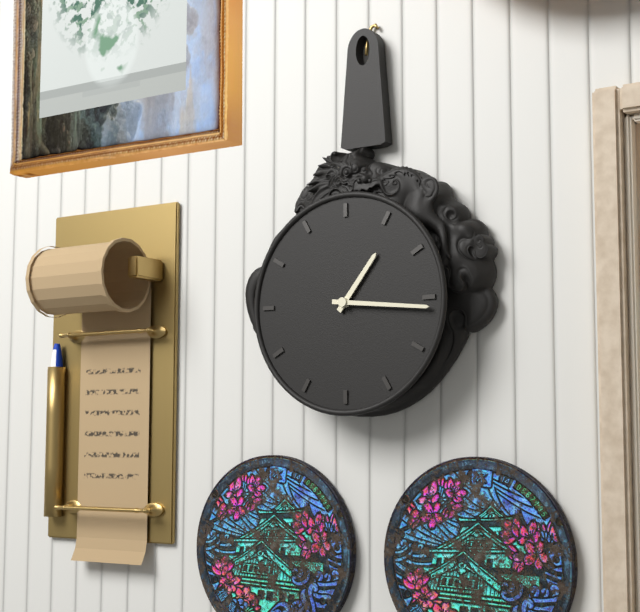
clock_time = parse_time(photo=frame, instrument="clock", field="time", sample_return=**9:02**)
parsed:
**1:16**
